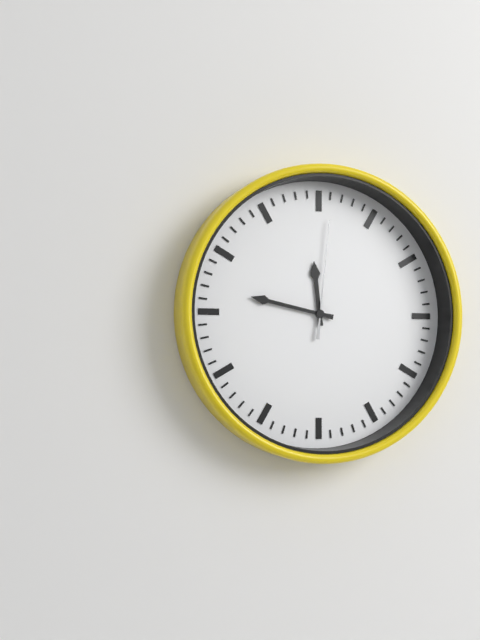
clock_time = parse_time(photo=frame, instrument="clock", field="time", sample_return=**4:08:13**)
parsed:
**11:47:01**
